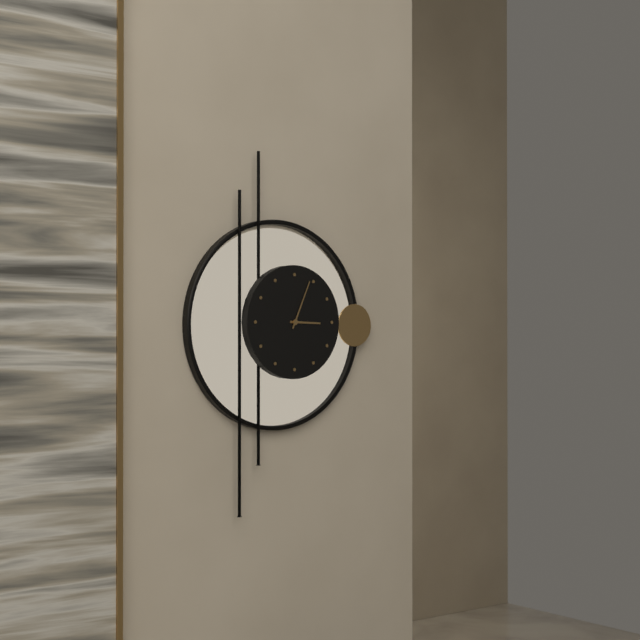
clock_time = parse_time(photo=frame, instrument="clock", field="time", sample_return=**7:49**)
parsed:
**3:04**
